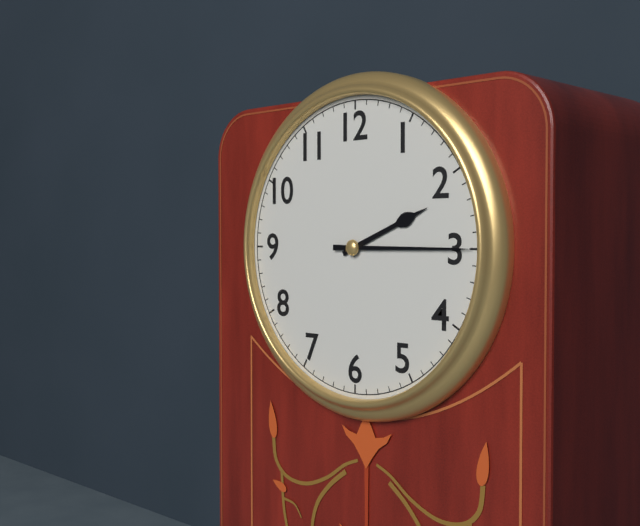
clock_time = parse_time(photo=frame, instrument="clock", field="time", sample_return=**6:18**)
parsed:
**2:15**
